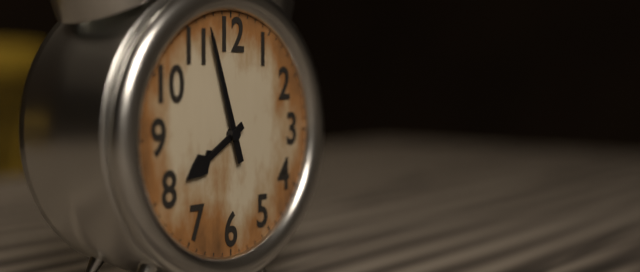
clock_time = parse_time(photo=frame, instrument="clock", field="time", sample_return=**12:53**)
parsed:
**7:57**
